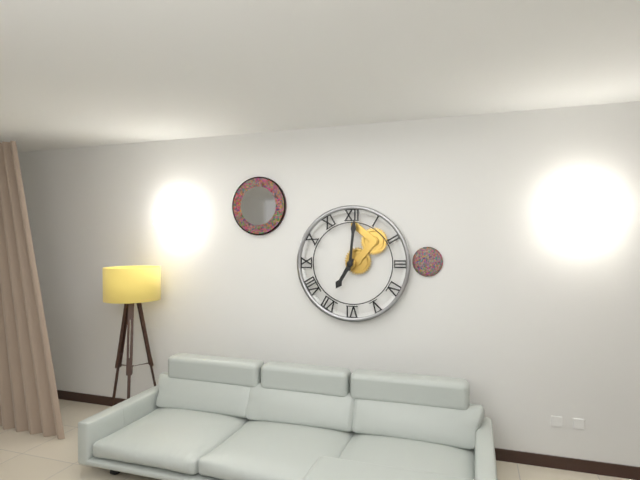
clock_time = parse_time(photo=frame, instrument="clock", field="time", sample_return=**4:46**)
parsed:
**7:01**
